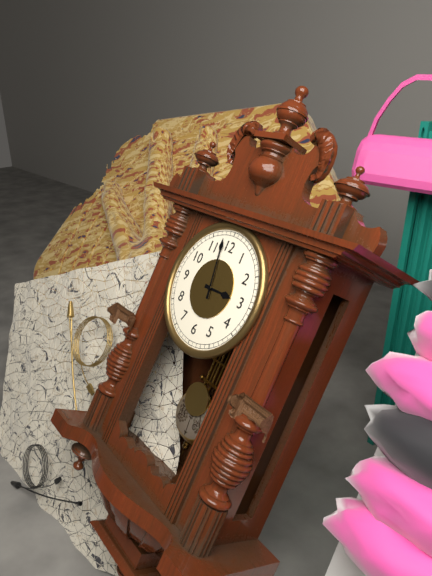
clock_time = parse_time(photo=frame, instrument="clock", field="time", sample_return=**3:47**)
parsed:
**2:58**
